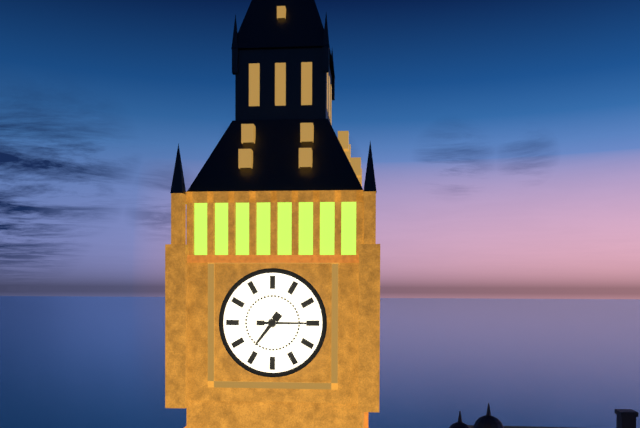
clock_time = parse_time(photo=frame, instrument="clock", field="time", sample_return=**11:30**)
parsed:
**7:15**
